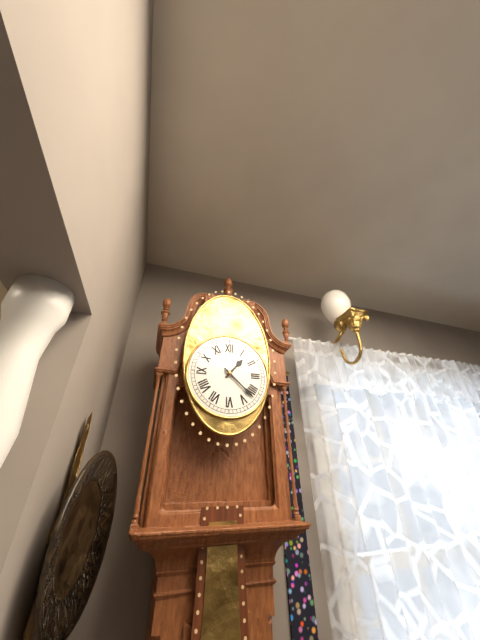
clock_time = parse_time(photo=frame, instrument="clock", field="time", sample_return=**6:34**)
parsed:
**1:22**
